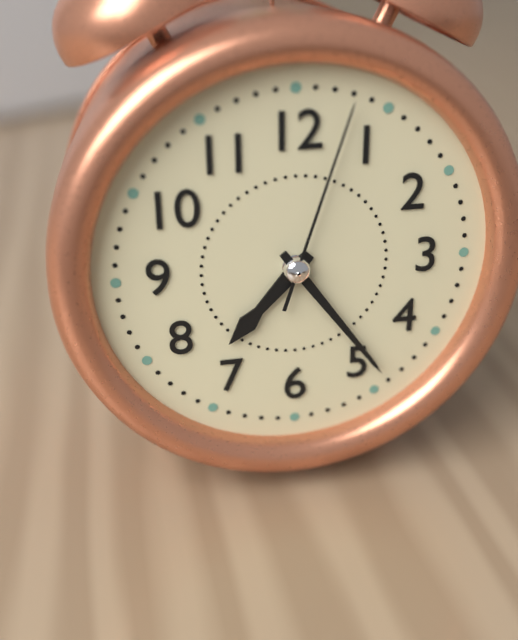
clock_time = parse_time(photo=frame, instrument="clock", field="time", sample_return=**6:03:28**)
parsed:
**7:24:03**
